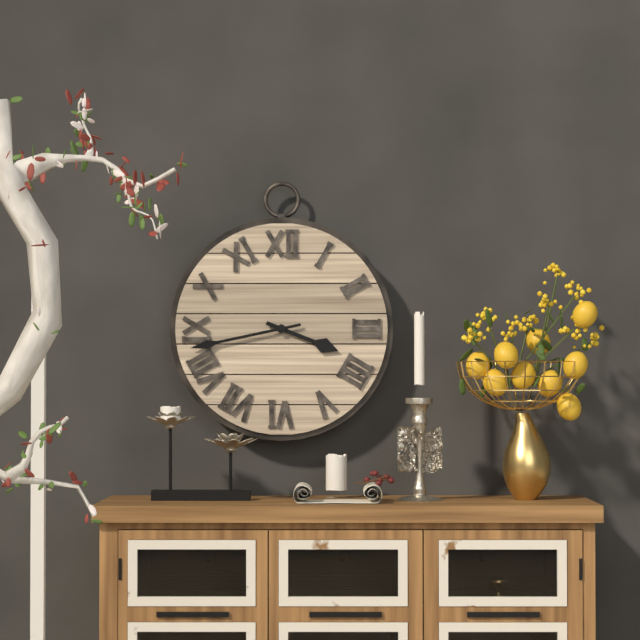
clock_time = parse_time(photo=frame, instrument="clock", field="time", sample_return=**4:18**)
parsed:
**3:43**
